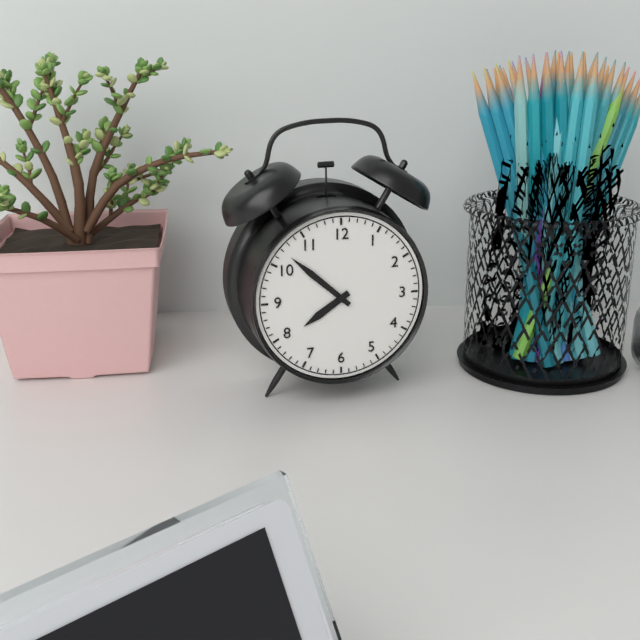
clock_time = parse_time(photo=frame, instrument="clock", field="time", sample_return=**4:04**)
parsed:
**7:52**
